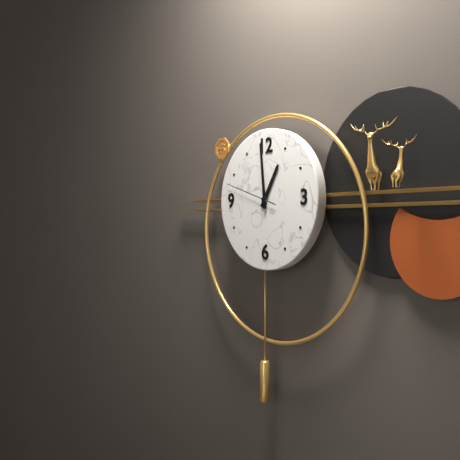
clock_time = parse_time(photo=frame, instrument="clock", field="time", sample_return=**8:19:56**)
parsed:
**12:59:48**
